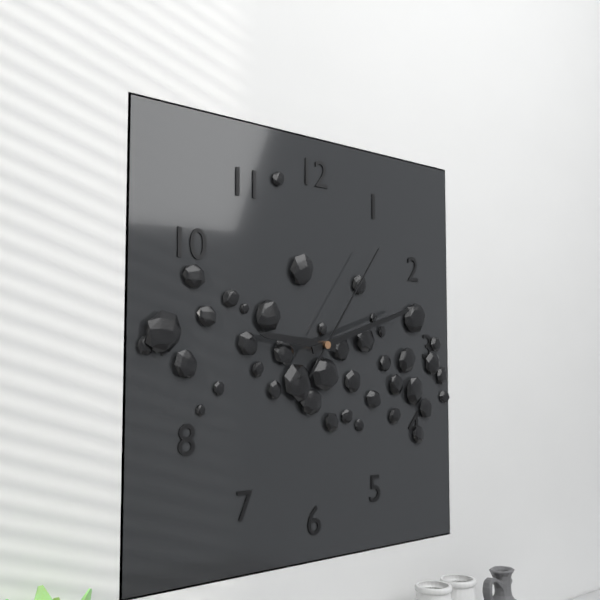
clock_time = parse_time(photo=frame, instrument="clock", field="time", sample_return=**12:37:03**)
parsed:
**9:12:06**
